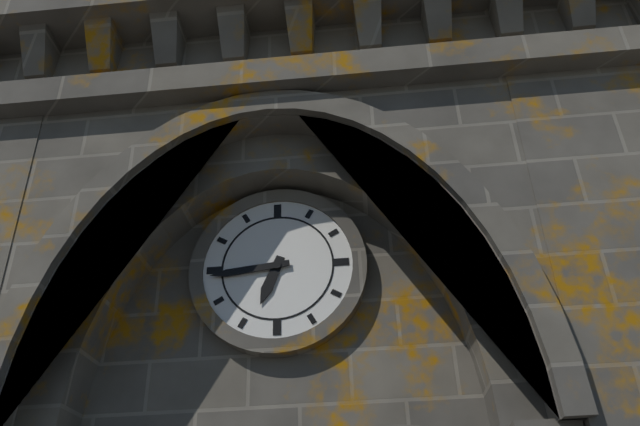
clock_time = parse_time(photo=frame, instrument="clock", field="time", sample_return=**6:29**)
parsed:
**6:44**
